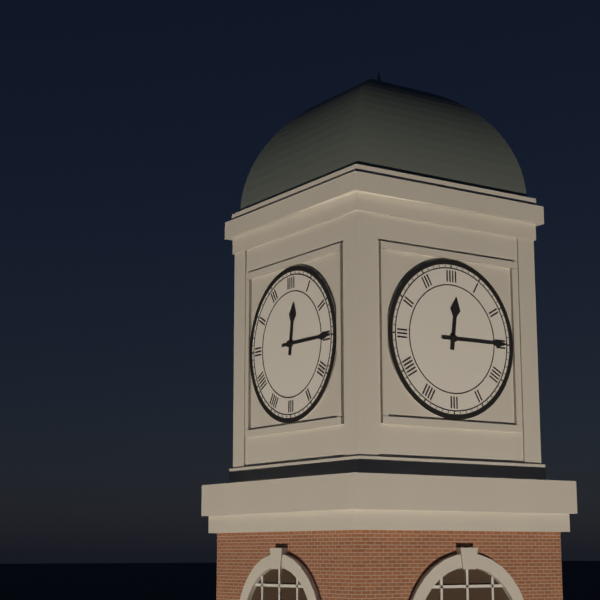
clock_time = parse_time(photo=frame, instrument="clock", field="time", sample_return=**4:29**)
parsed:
**12:15**
